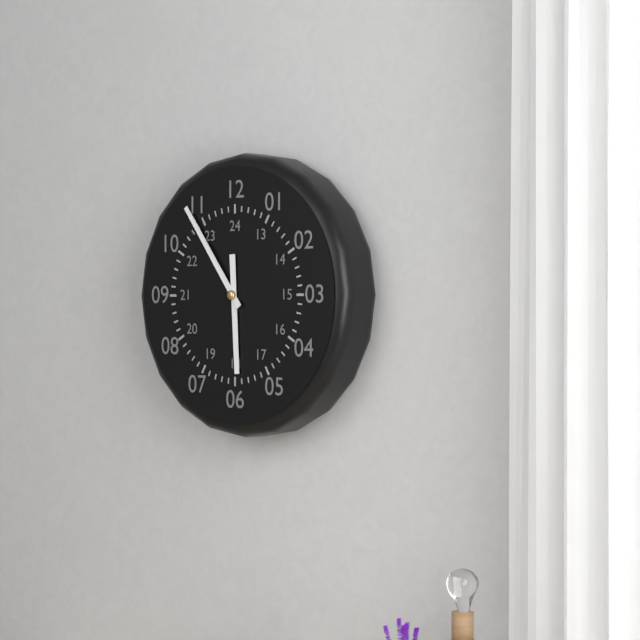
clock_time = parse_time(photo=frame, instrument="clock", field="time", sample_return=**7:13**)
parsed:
**5:54**
